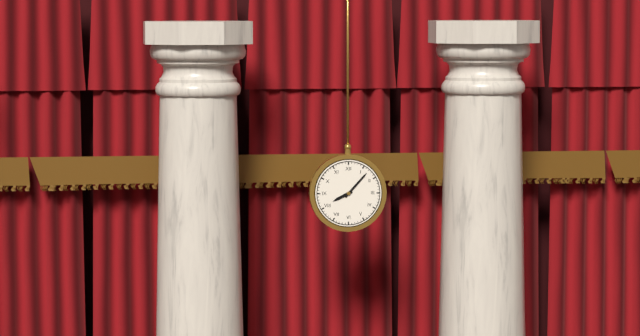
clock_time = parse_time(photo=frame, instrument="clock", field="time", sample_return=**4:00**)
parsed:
**8:07**
